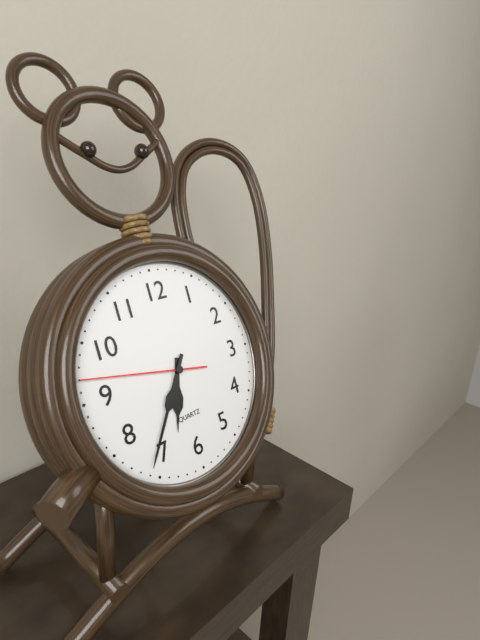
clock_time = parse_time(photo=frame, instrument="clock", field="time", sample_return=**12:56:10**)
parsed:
**6:36:47**
